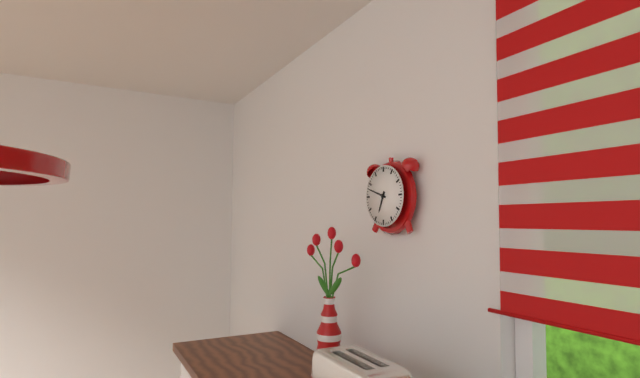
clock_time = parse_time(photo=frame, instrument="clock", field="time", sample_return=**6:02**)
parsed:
**6:48**
